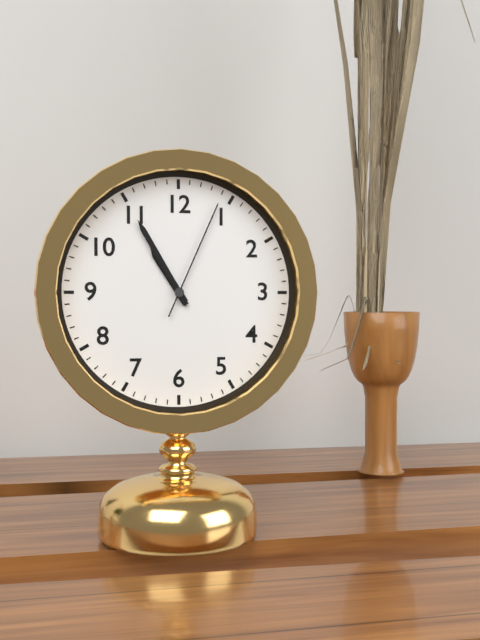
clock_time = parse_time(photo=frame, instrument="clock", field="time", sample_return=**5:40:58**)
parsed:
**10:55:04**
